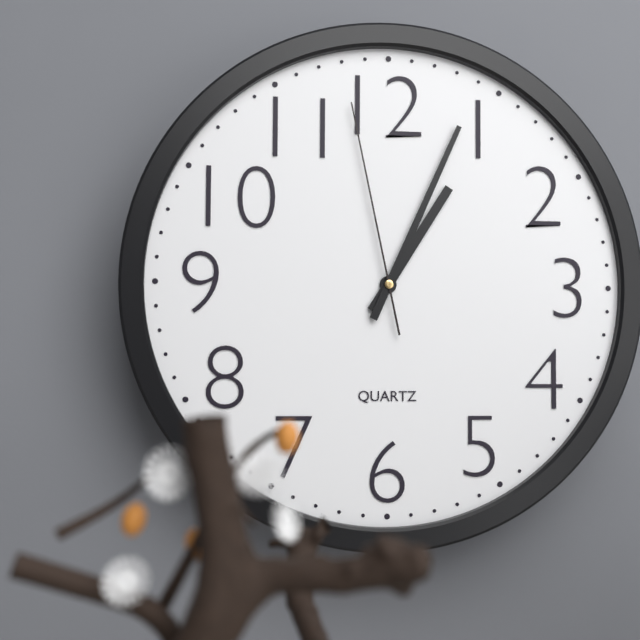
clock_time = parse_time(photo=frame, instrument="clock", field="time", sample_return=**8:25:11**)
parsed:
**1:04:58**
